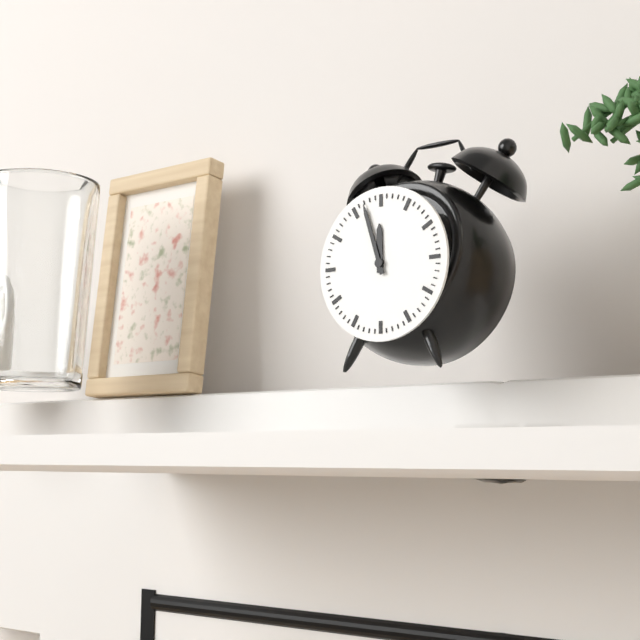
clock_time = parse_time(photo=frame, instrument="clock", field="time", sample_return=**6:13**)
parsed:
**11:57**
